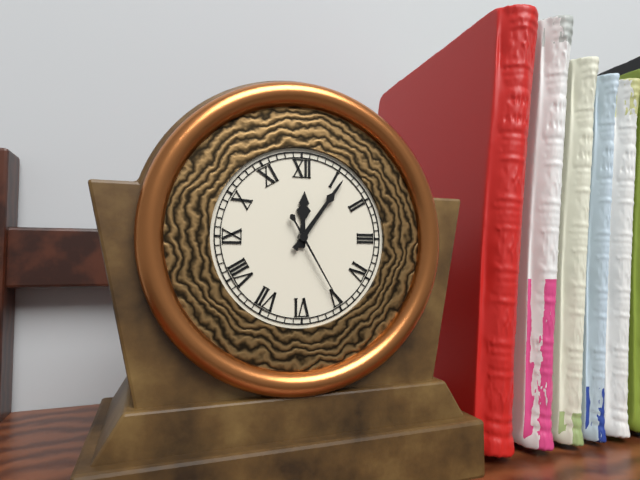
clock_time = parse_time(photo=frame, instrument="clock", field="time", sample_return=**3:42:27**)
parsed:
**12:06:25**
